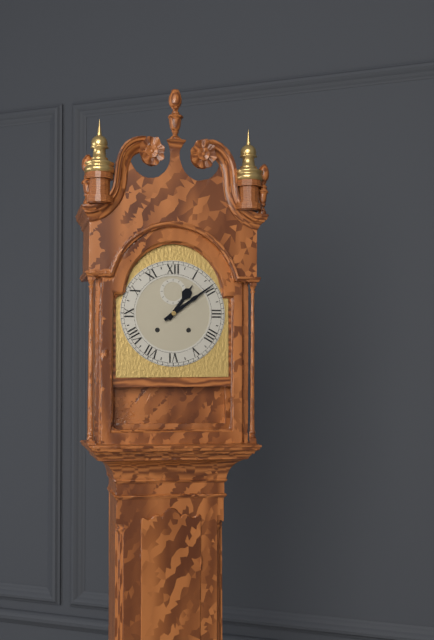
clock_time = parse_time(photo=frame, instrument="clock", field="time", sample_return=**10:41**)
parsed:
**1:09**
